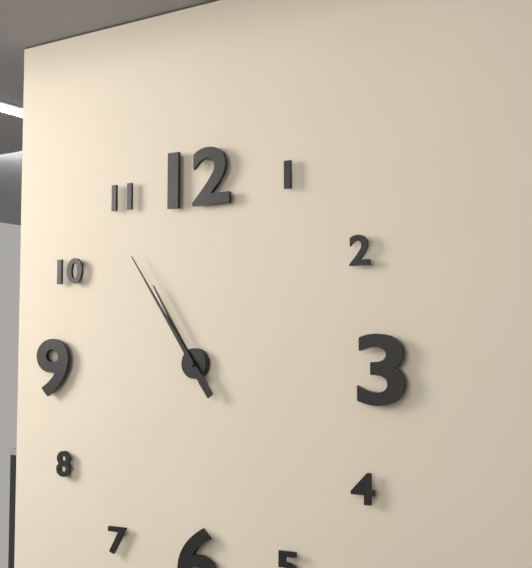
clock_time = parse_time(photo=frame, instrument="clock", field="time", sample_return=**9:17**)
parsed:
**10:54**
